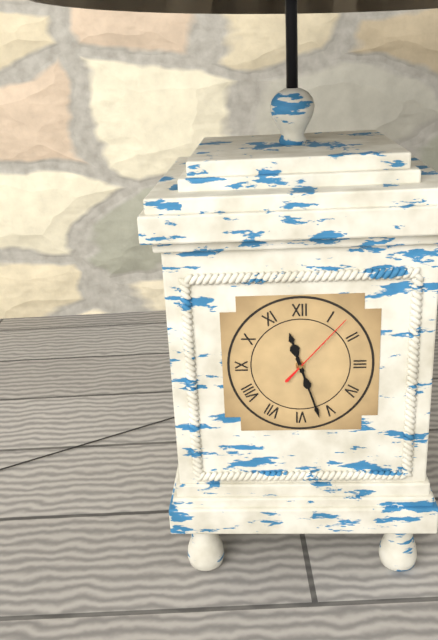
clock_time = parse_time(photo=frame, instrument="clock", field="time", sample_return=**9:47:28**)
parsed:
**11:27:07**
